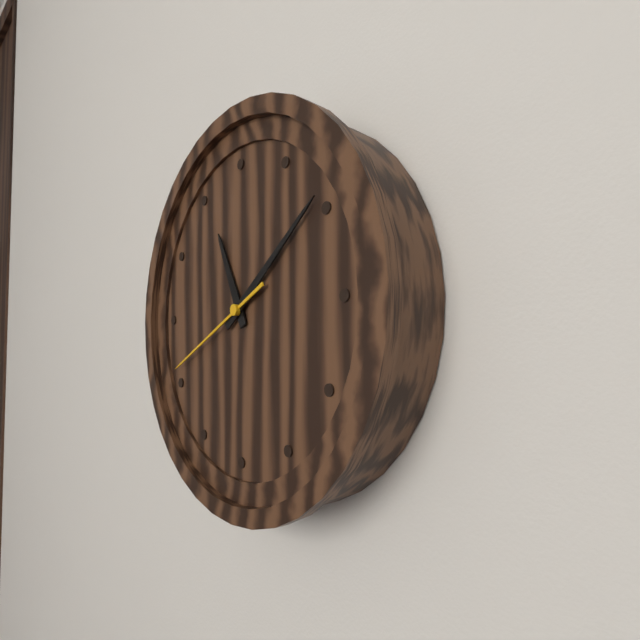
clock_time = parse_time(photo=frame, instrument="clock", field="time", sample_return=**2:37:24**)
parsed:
**11:09:41**
